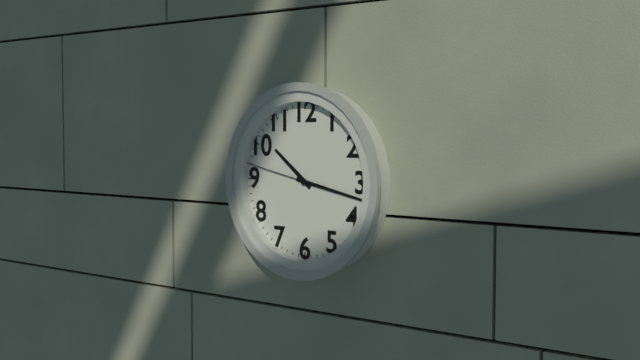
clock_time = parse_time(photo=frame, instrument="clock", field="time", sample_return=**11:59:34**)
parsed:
**10:17:47**
